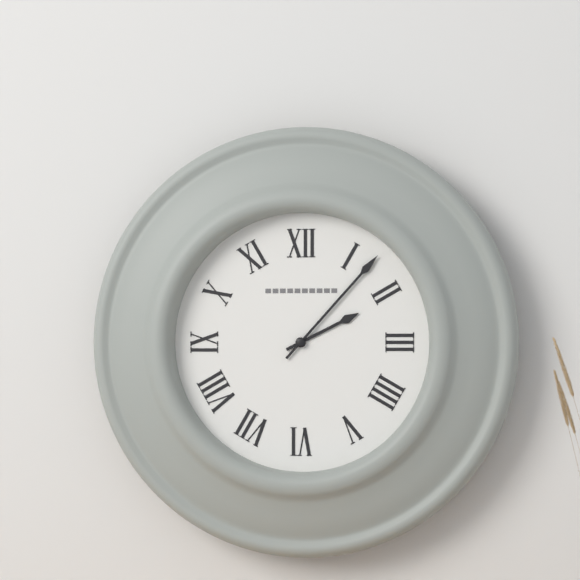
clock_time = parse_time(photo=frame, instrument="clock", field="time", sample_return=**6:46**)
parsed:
**2:07**
